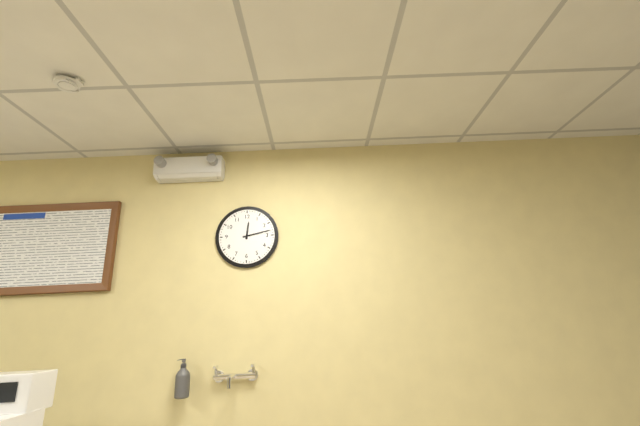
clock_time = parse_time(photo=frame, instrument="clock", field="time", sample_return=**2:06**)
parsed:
**12:13**
